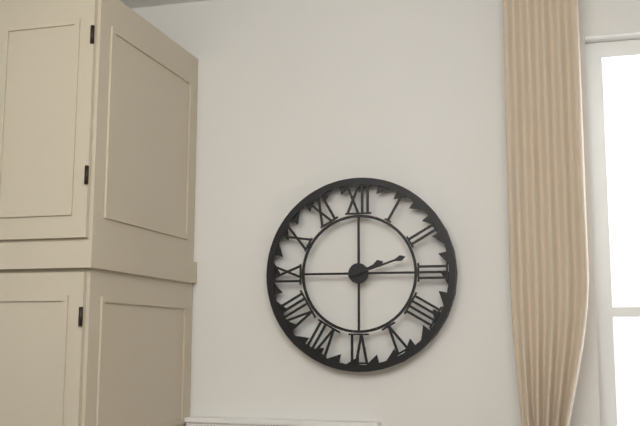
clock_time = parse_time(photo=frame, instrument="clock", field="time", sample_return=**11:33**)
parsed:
**2:12**
